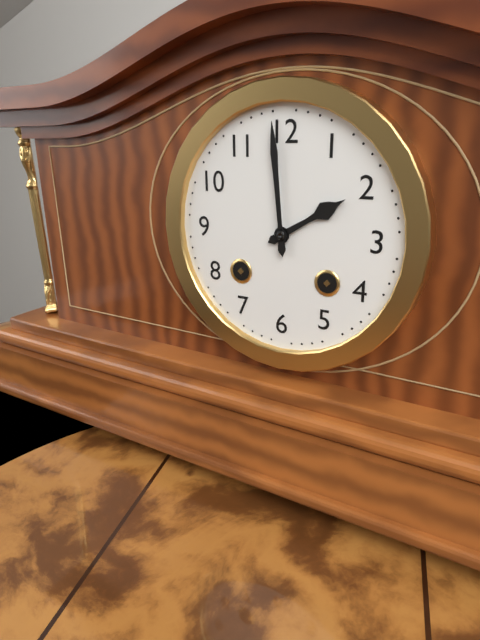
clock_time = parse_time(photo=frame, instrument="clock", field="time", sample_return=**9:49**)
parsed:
**1:59**
